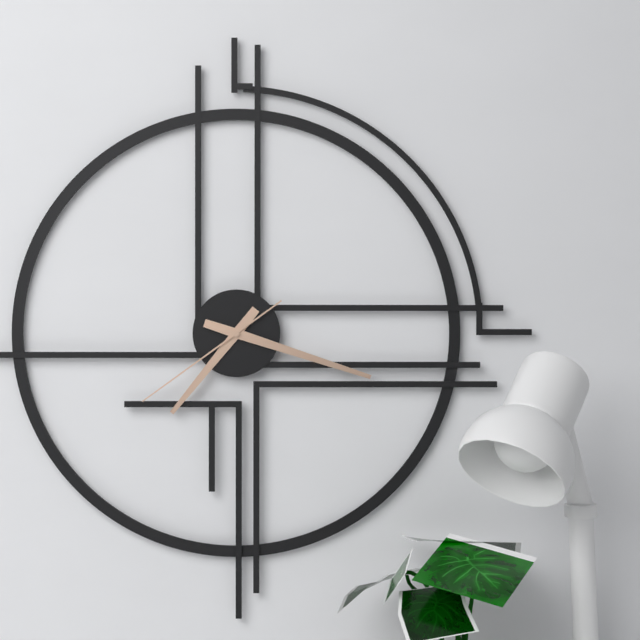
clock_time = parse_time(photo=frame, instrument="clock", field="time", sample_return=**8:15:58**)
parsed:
**7:18:39**
